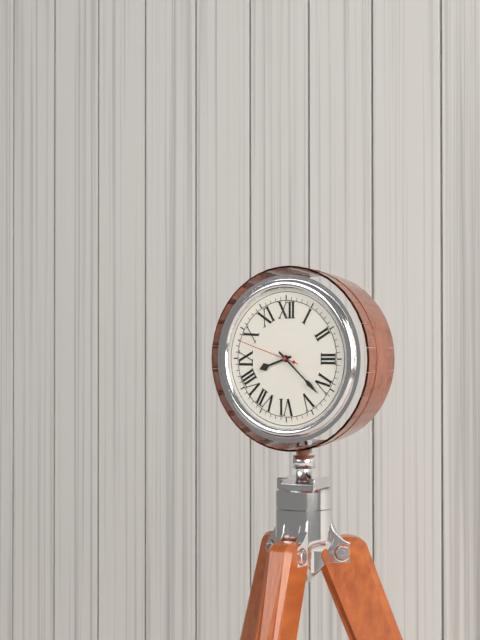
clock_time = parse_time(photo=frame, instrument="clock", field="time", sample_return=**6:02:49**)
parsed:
**8:22:48**
